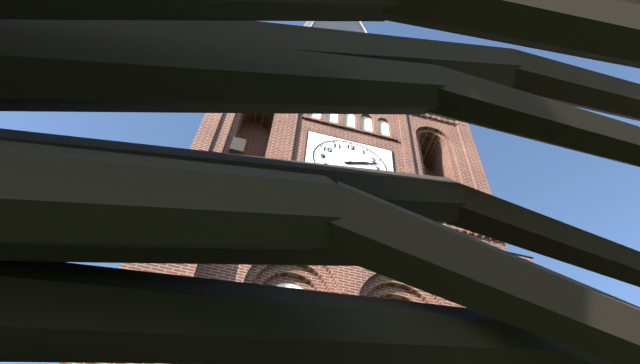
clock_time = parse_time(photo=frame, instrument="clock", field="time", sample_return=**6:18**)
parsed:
**2:12**
